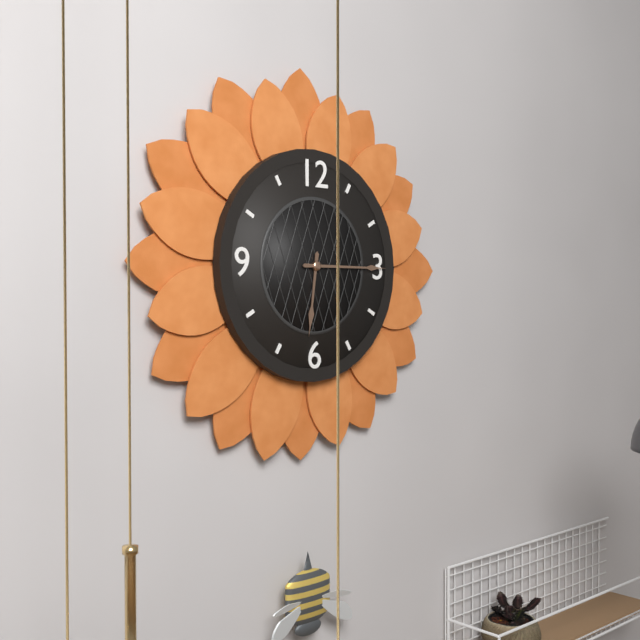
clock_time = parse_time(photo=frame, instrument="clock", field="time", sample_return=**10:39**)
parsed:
**6:15**
